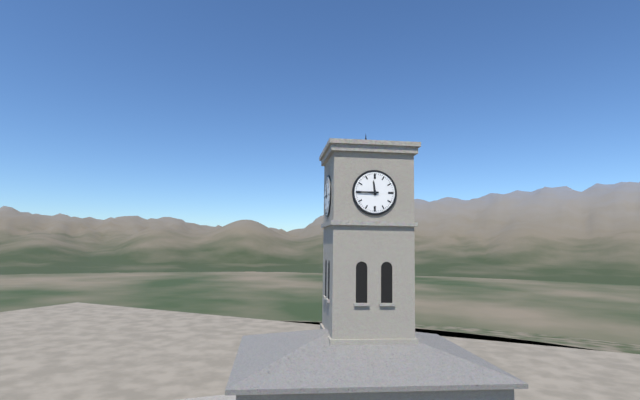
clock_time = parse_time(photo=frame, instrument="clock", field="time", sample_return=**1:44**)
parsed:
**11:45**
